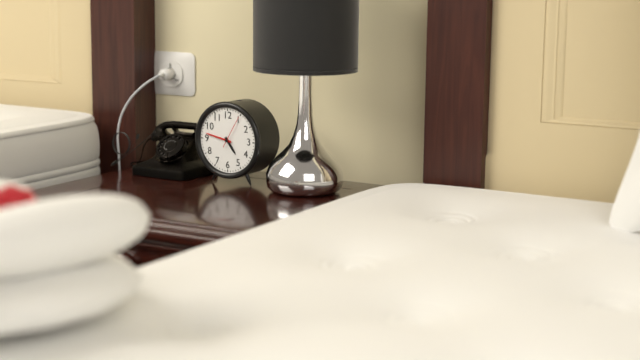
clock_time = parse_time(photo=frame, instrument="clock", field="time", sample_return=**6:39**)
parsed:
**4:47**
